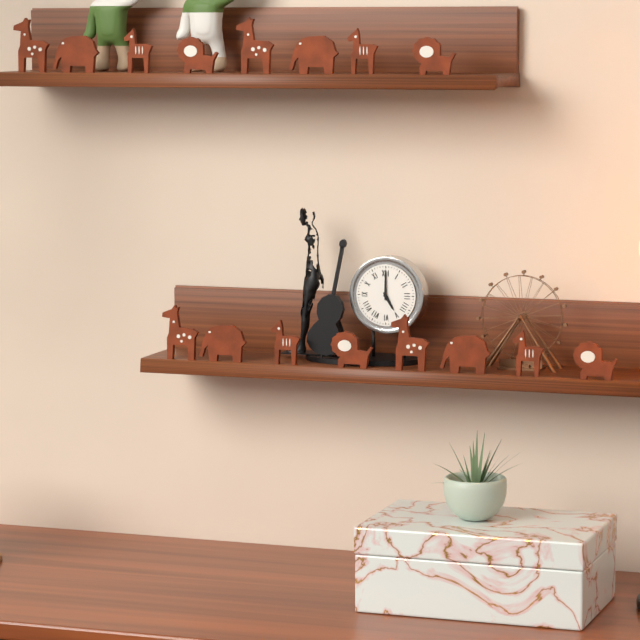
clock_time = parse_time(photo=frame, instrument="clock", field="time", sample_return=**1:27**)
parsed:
**5:00**
